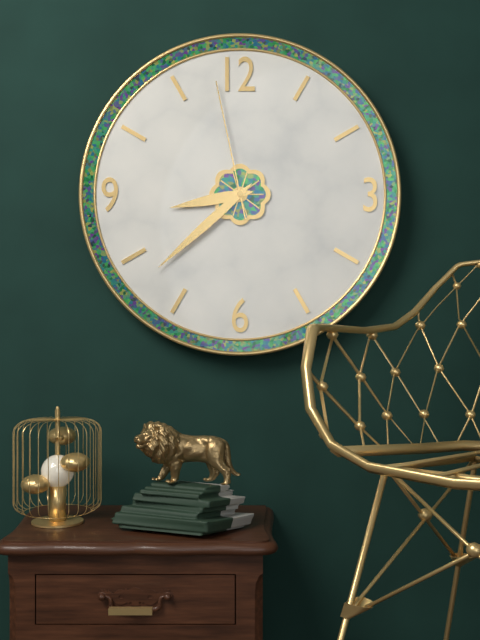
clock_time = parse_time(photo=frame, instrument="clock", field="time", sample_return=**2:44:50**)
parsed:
**8:38:58**
